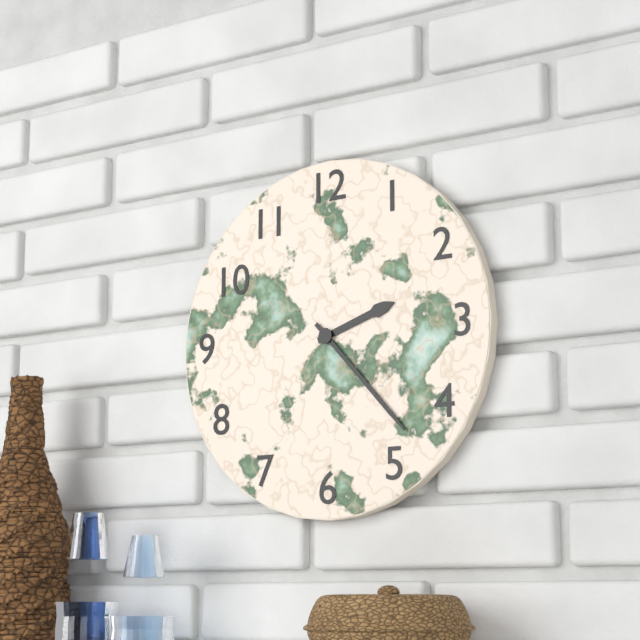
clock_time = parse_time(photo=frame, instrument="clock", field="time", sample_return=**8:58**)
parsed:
**2:23**
